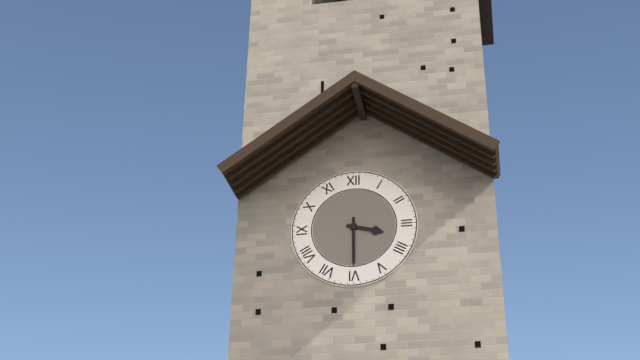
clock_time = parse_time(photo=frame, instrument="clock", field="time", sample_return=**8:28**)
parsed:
**3:30**
